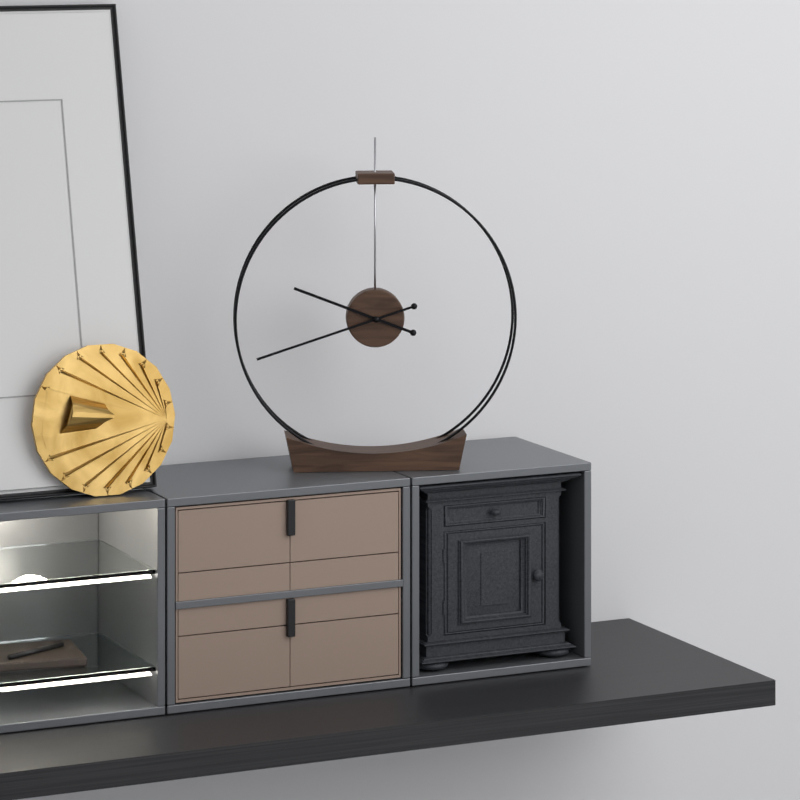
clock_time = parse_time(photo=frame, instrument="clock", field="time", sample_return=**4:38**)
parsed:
**9:42**
